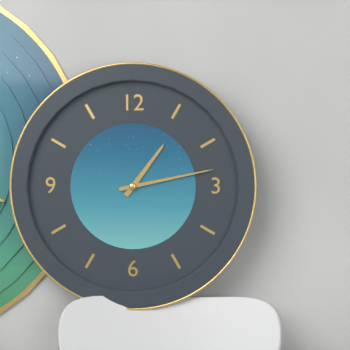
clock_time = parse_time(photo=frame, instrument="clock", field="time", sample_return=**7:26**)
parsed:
**1:13**
